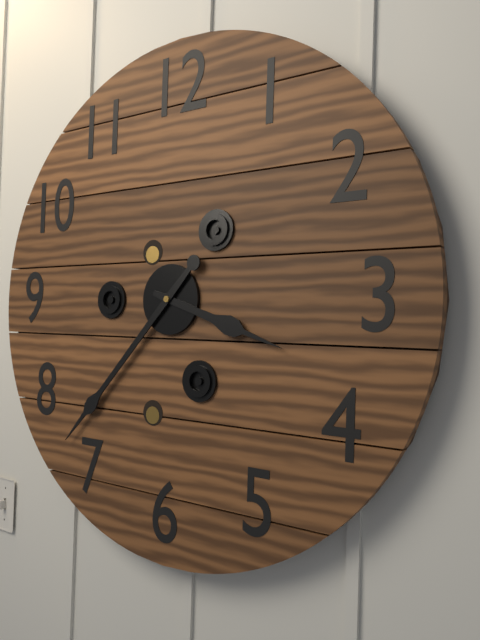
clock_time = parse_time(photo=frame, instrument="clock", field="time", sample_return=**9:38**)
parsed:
**3:37**
